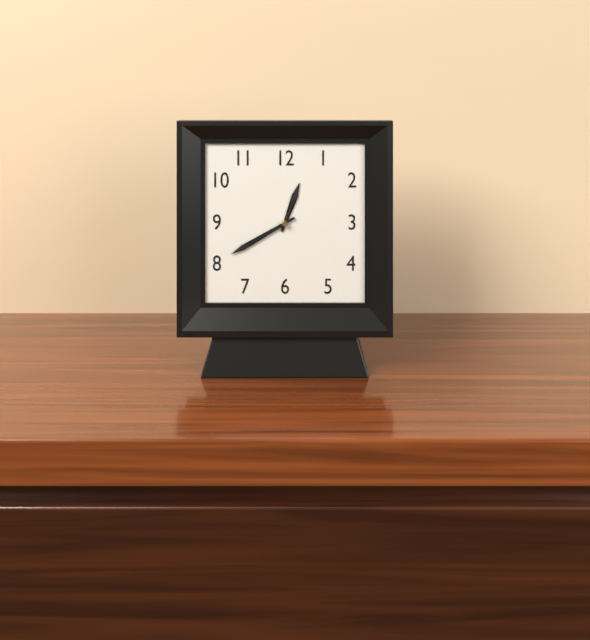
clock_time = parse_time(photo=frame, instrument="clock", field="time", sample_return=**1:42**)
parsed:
**12:40**
